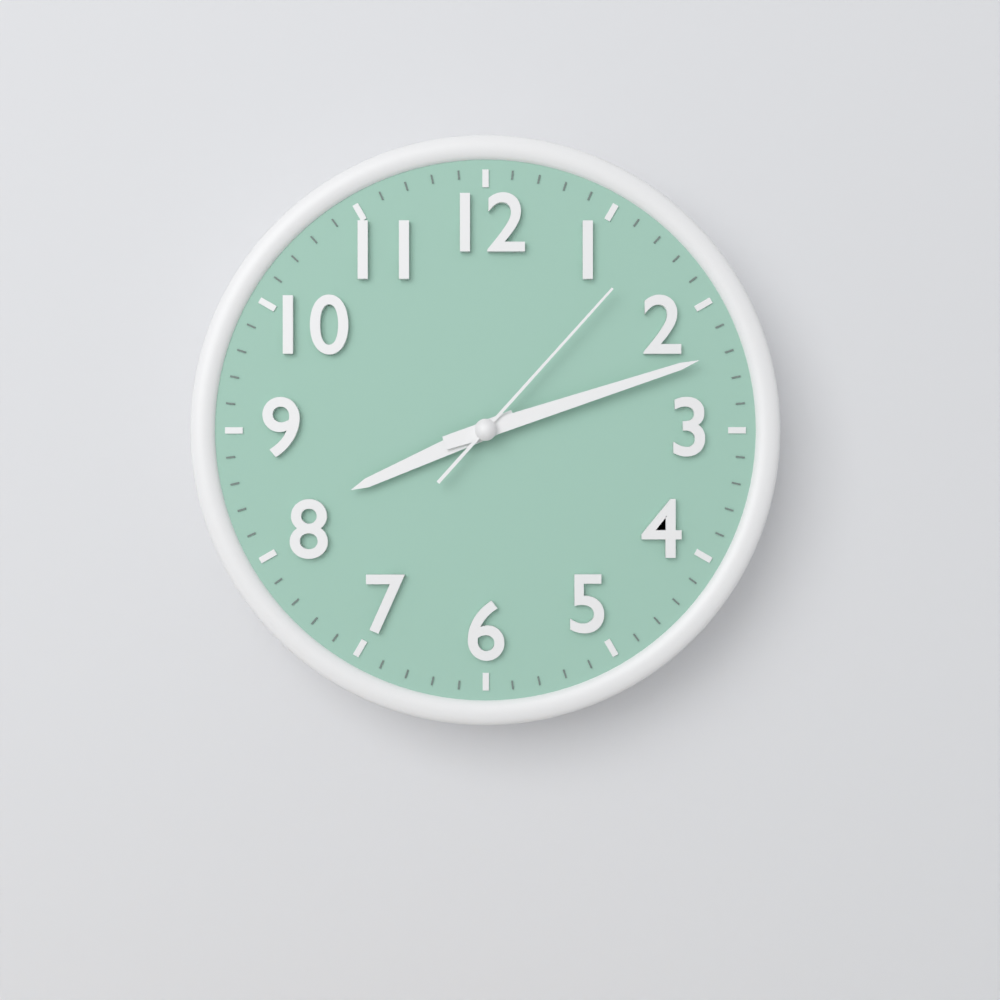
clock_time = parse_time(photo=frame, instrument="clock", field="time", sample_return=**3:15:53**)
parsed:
**8:12:07**
